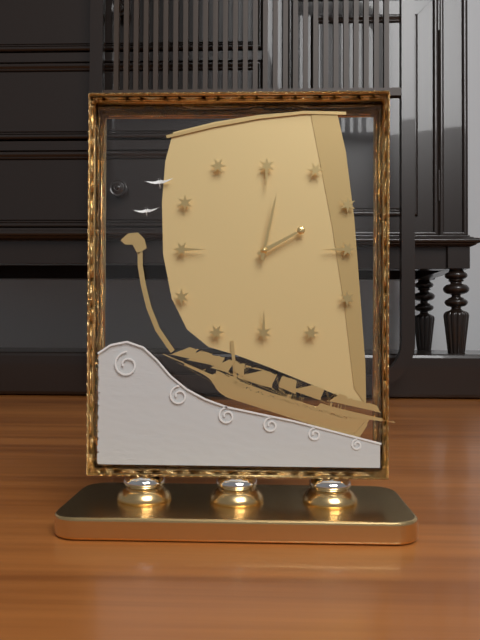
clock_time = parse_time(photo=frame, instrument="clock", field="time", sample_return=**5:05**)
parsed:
**2:02**
